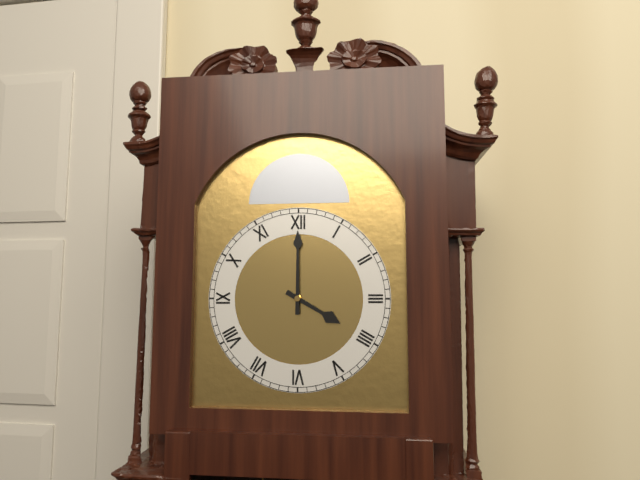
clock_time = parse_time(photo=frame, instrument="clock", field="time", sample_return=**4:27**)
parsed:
**4:00**
